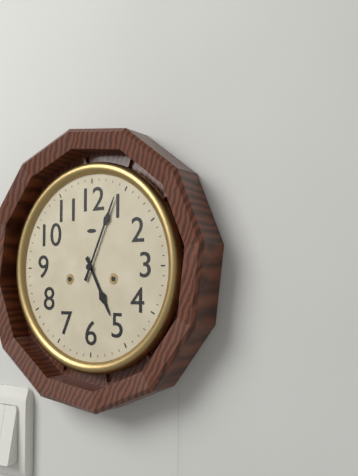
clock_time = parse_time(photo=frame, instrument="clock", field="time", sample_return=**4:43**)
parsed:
**5:04**
